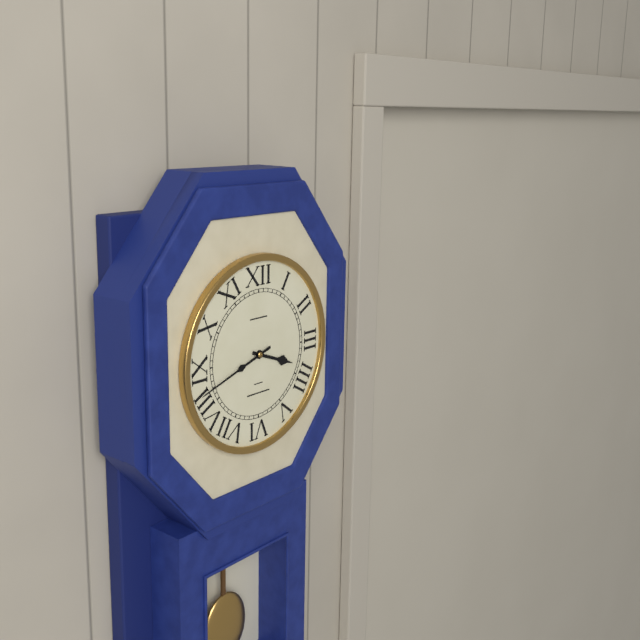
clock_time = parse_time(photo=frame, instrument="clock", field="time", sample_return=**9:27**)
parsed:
**3:42**
